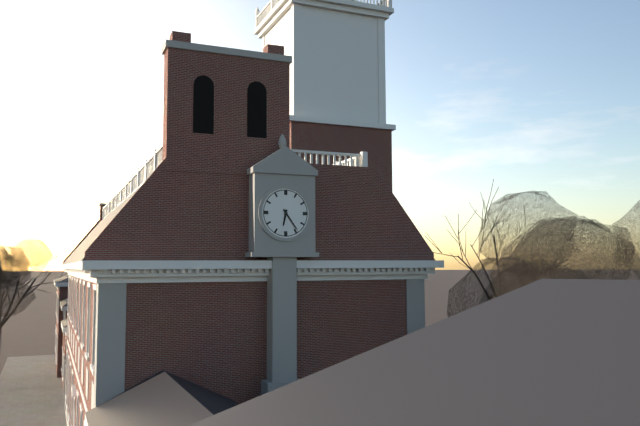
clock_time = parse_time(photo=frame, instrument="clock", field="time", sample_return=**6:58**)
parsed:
**6:24**
